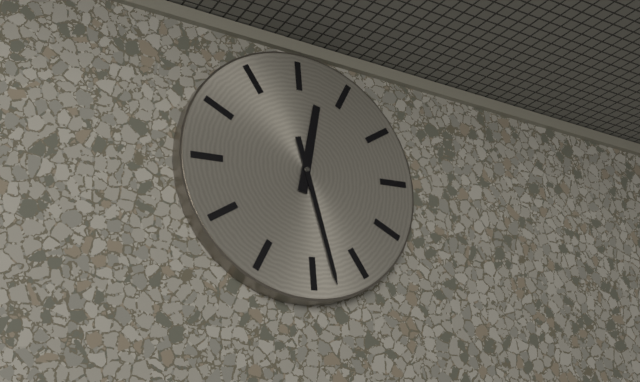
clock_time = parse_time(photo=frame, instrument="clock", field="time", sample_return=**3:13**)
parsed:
**12:28**
